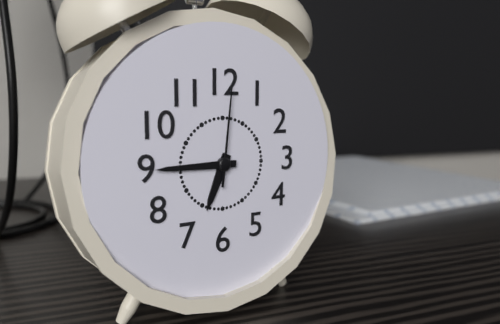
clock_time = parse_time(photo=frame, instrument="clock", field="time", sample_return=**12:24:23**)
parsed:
**6:45:01**
